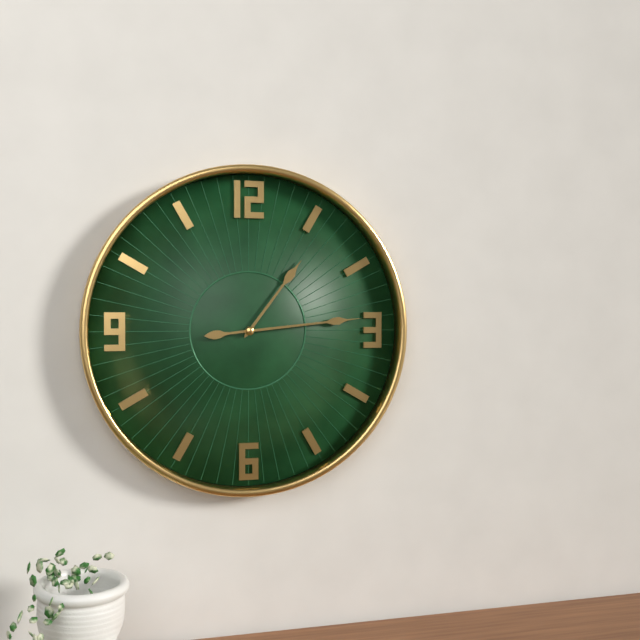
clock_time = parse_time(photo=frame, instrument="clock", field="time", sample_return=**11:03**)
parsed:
**1:14**
